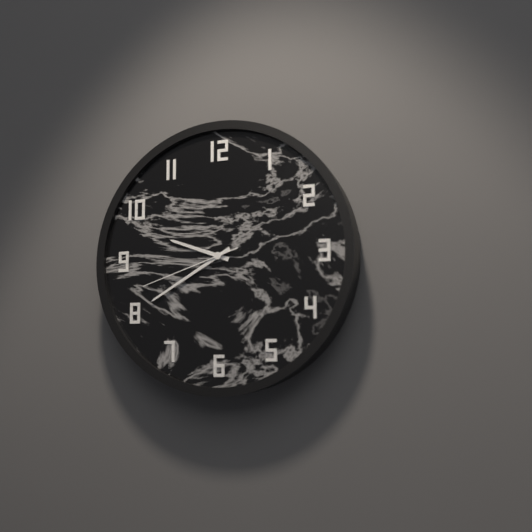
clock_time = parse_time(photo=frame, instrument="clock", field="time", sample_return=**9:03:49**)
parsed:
**9:40:42**
